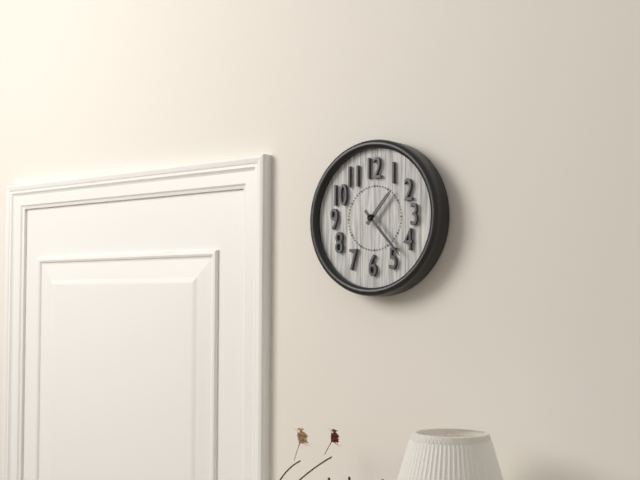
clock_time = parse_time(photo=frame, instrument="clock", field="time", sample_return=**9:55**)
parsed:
**1:23**
